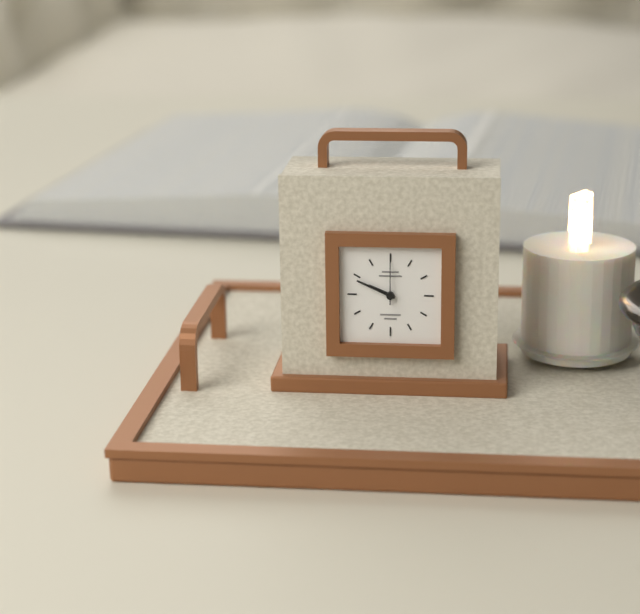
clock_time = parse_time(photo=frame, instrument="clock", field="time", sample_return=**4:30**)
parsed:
**9:49**
